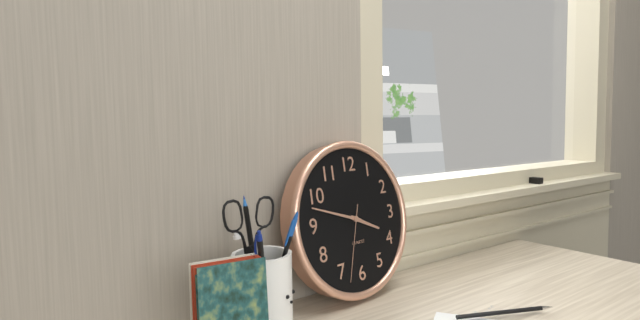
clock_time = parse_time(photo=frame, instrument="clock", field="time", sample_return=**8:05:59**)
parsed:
**3:48:33**
